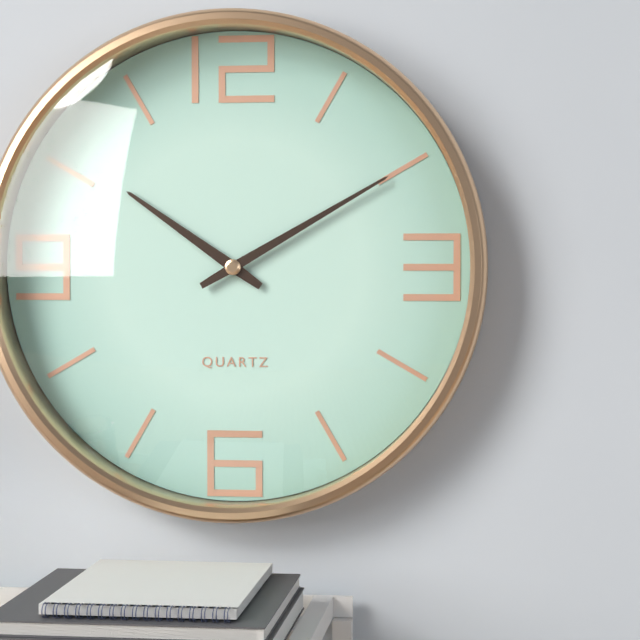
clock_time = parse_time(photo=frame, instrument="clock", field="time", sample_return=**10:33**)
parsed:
**10:10**
